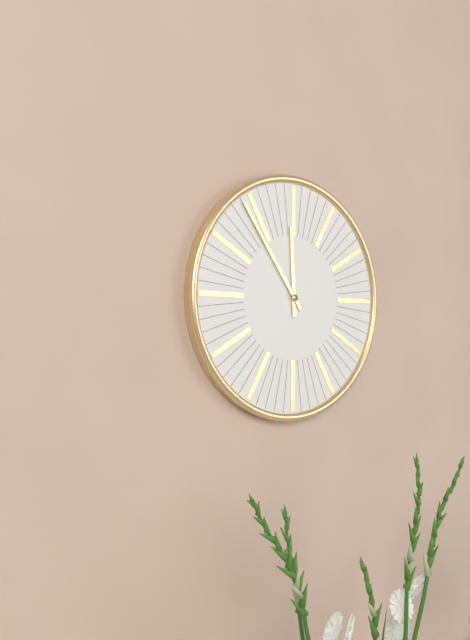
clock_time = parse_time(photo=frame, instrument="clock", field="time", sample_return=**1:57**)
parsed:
**11:54**
